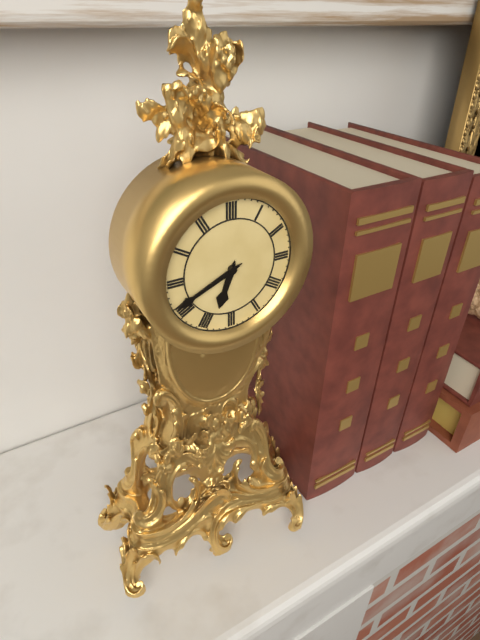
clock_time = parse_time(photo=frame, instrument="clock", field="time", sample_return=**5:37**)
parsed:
**6:41**
